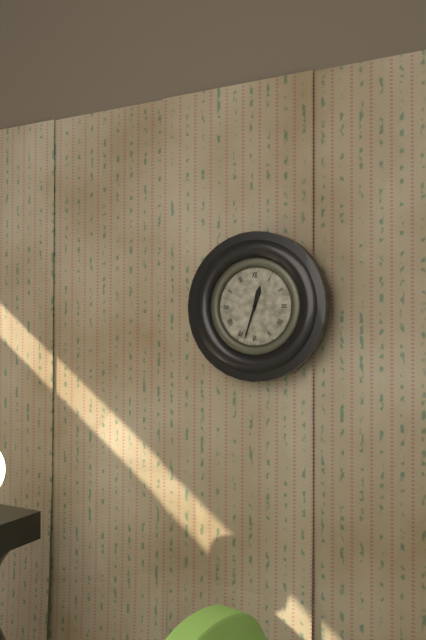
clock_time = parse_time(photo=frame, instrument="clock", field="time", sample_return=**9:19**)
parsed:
**12:33**
